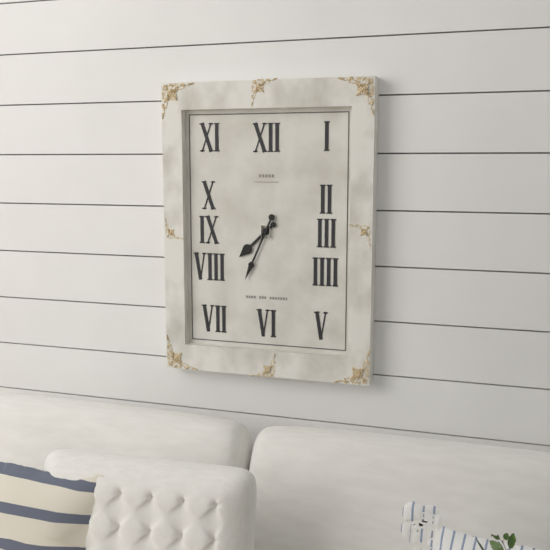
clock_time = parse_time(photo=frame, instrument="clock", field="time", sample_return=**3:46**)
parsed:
**7:34**
